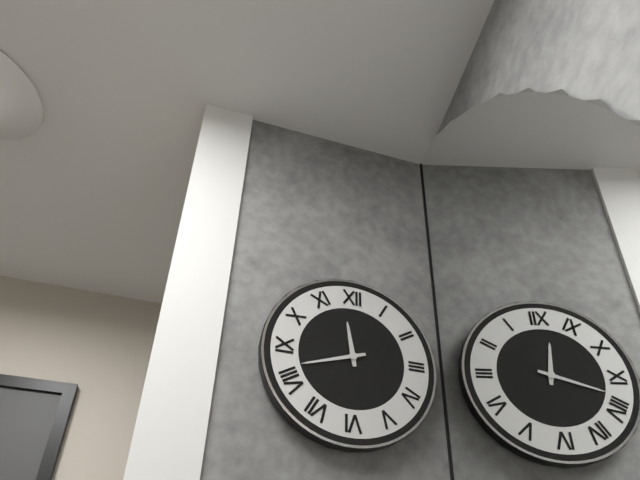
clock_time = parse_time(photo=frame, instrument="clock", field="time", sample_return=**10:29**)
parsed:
**11:42**
